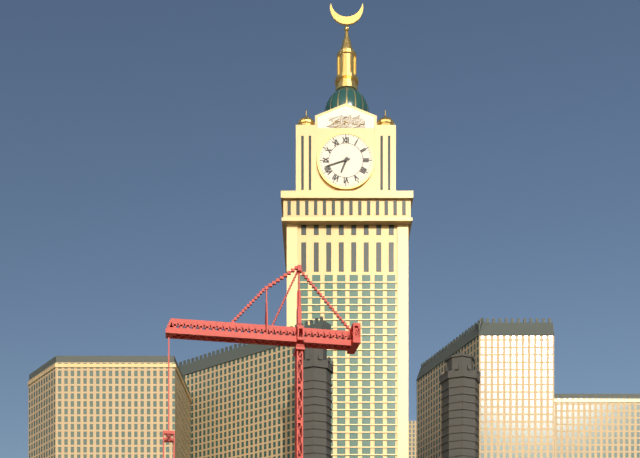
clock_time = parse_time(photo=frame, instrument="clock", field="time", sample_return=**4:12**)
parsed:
**6:42**
